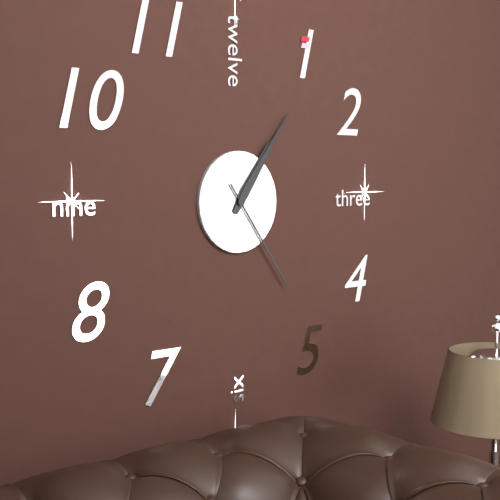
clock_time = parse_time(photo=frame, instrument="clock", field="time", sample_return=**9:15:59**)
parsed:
**1:06:24**
